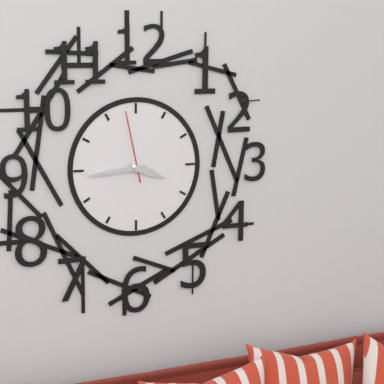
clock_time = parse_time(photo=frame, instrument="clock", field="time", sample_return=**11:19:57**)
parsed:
**3:44:58**
